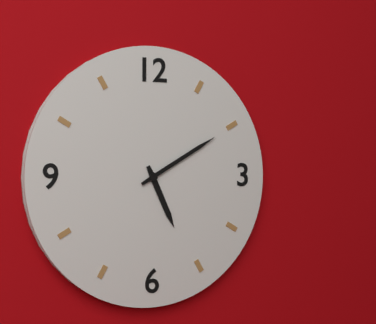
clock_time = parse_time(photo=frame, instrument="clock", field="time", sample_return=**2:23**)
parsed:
**5:10**
